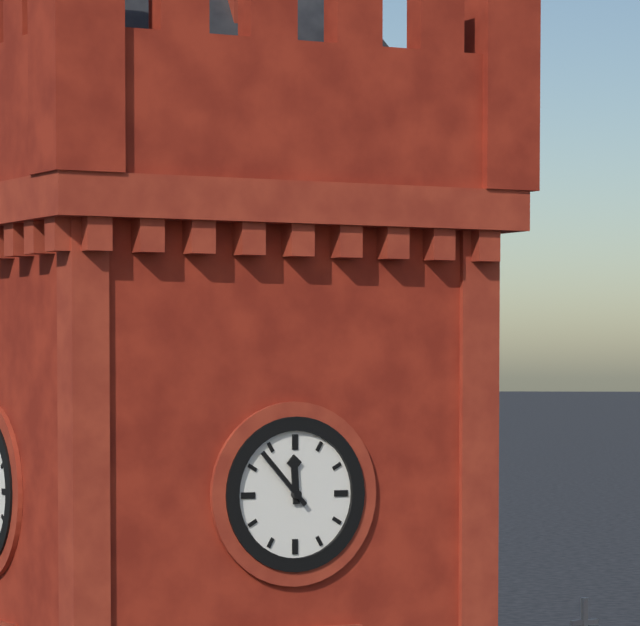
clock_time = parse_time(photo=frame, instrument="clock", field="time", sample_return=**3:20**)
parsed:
**11:53**
